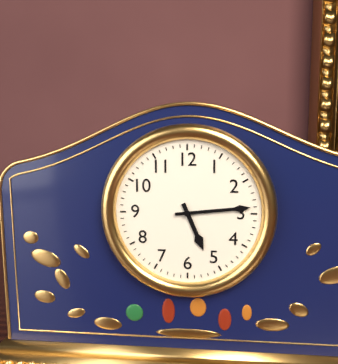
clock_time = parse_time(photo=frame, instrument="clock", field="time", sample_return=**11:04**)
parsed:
**5:14**
